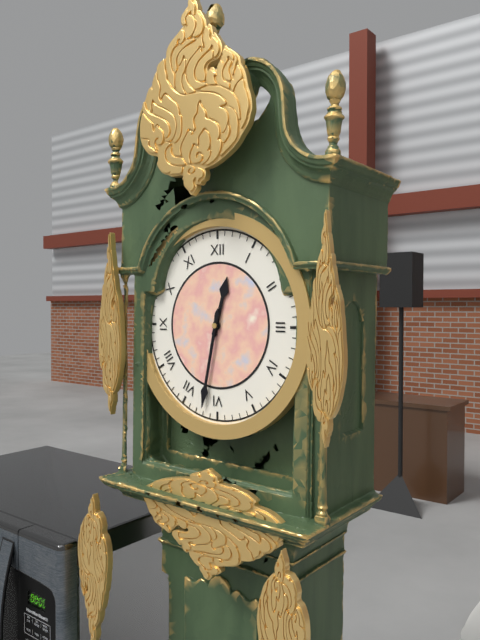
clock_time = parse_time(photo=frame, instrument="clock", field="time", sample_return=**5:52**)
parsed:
**12:32**
